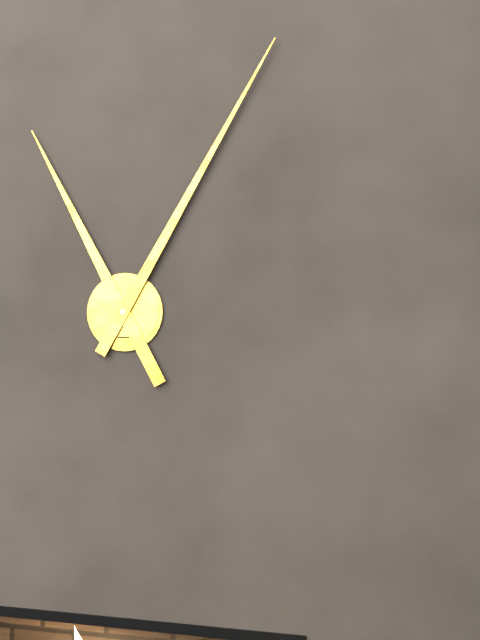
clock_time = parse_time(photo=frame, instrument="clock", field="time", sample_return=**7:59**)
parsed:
**11:05**
